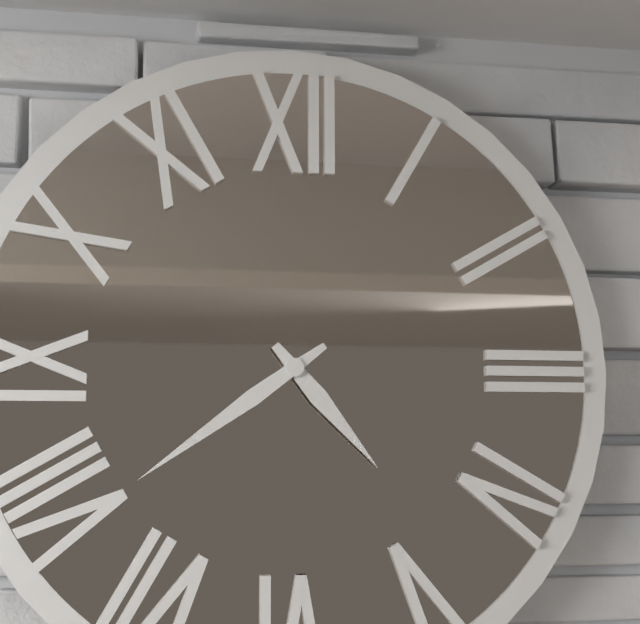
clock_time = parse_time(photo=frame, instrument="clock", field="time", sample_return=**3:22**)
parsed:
**4:39**
